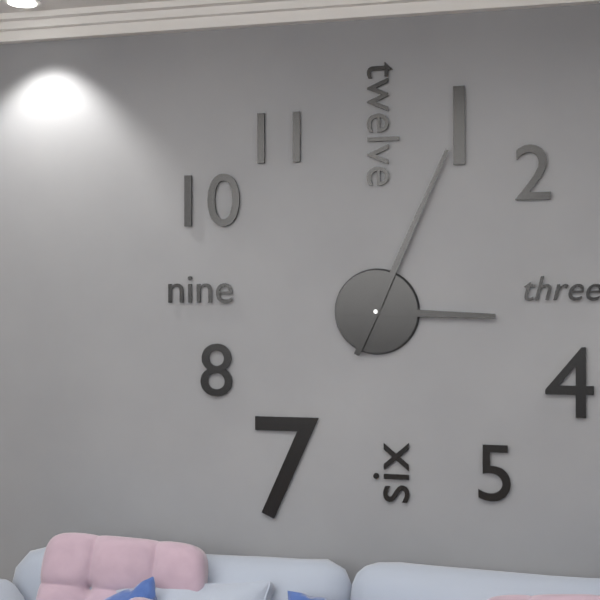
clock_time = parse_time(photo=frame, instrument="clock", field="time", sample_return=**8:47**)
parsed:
**3:04**
